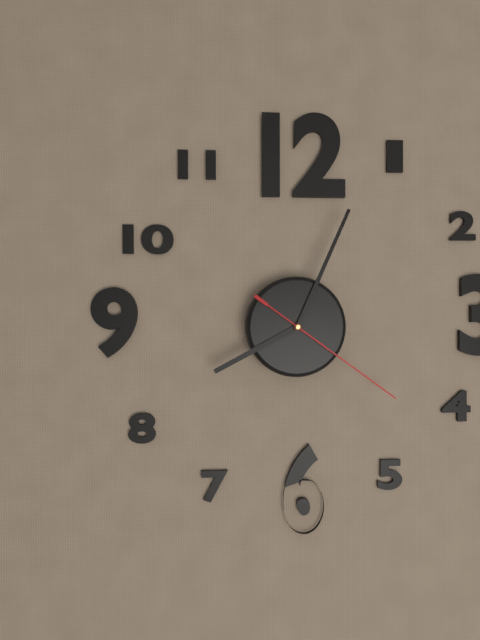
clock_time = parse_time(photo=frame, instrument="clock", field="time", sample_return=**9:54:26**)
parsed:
**8:04:21**
